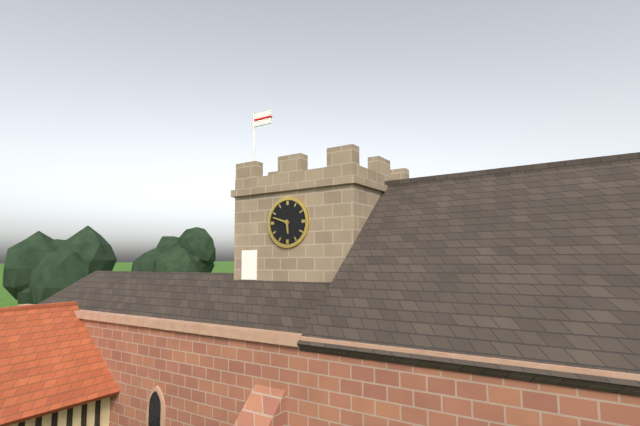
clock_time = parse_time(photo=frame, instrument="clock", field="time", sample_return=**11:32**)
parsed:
**5:48**
